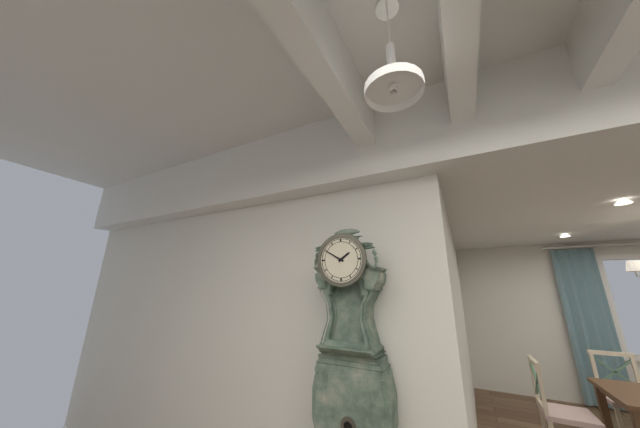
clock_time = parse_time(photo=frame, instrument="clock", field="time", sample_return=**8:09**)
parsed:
**1:50**
